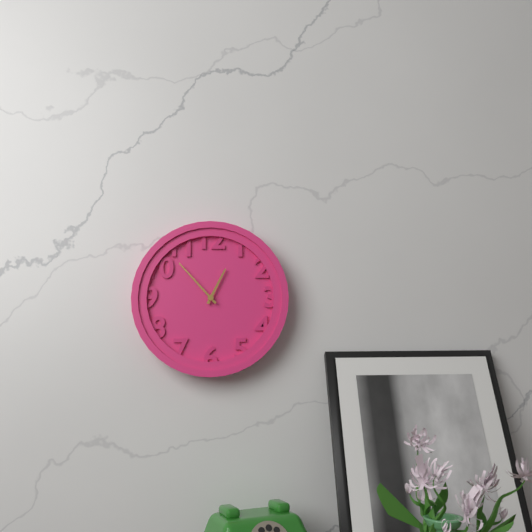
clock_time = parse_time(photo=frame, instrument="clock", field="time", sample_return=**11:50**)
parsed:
**12:53**
